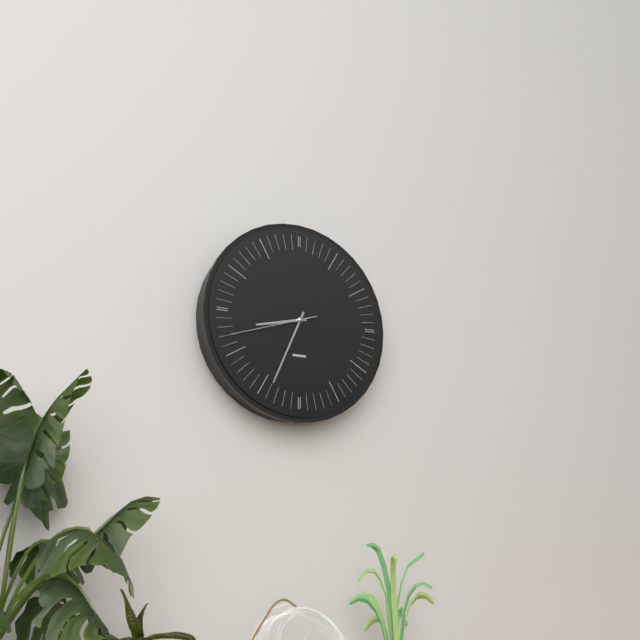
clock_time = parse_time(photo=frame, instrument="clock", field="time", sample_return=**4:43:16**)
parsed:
**8:34:42**
